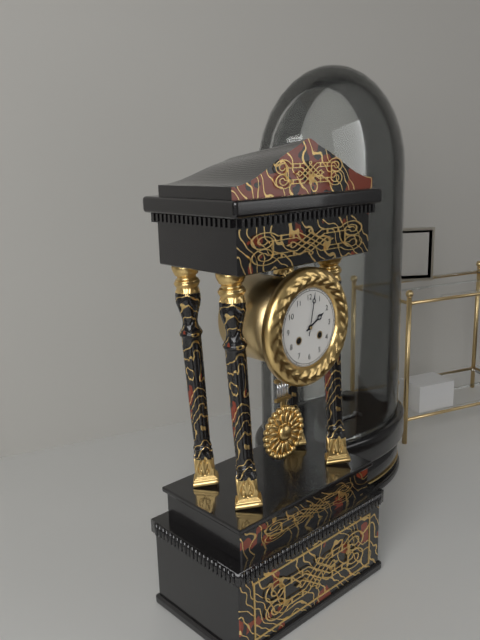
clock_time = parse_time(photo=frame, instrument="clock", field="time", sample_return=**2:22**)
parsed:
**2:02**
